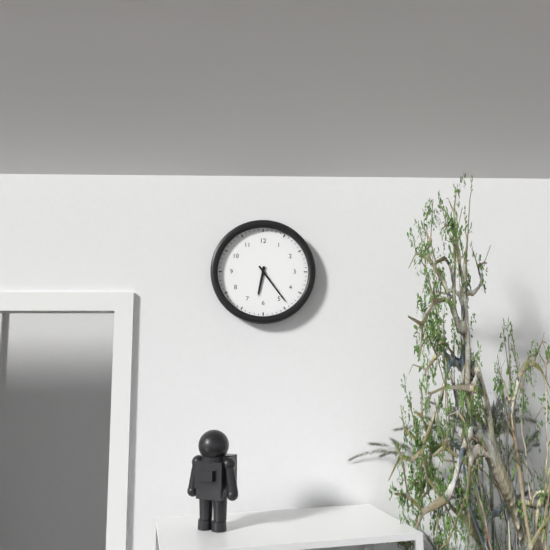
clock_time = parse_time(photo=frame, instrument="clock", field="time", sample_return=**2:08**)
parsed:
**6:24**
